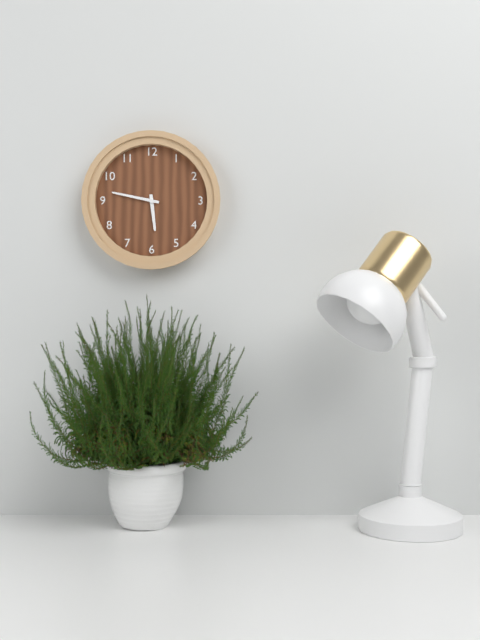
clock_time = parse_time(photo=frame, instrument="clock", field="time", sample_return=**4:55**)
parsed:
**5:47**
